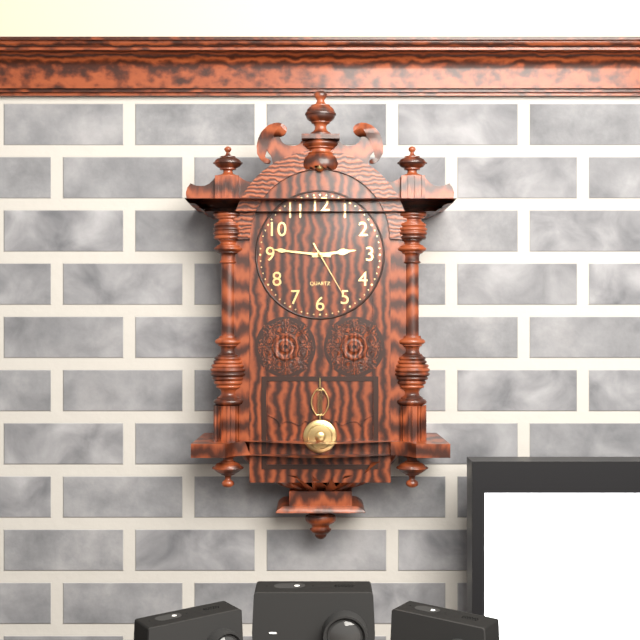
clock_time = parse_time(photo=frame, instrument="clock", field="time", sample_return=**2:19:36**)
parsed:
**2:46:25**
